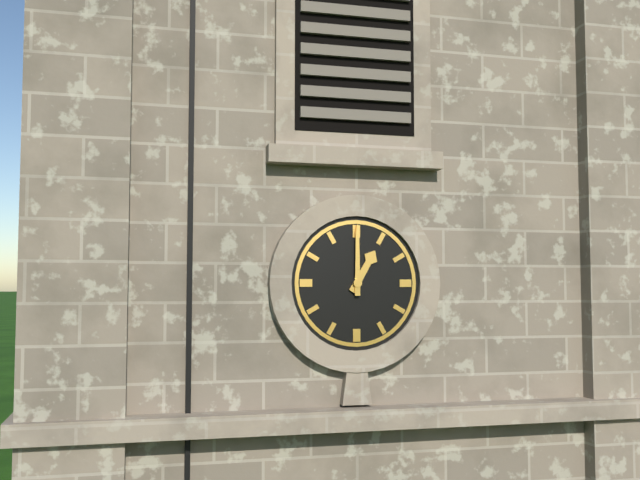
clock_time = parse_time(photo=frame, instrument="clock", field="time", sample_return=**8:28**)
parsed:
**1:00**
